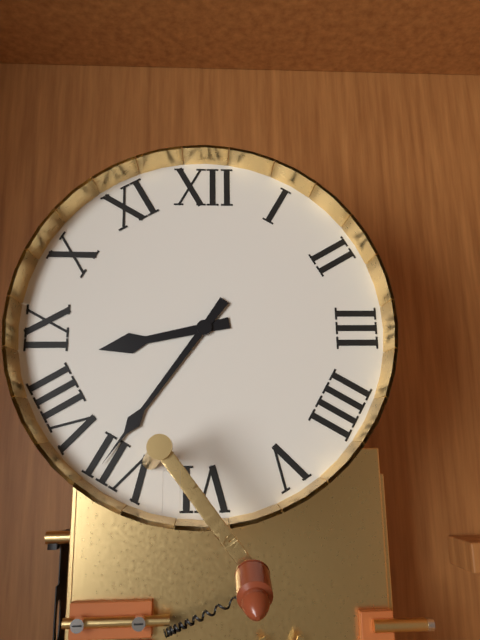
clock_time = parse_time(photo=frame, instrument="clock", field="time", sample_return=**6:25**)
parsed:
**8:36**
